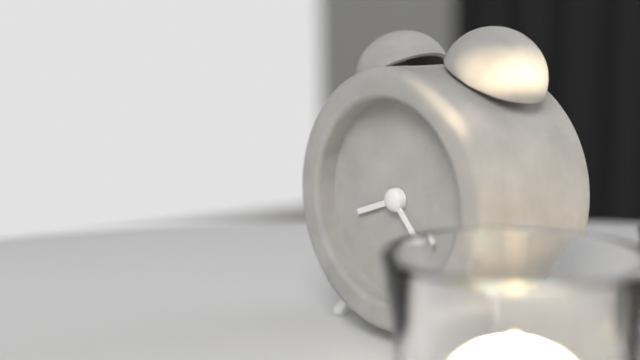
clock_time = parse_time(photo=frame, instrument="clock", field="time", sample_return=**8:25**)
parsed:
**8:23**
